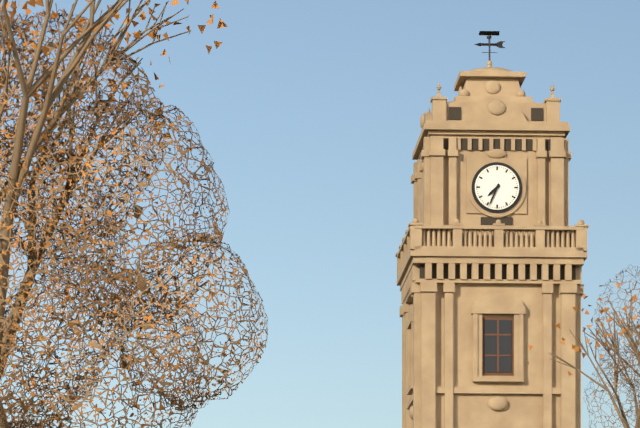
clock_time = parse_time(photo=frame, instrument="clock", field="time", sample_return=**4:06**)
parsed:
**7:34**
